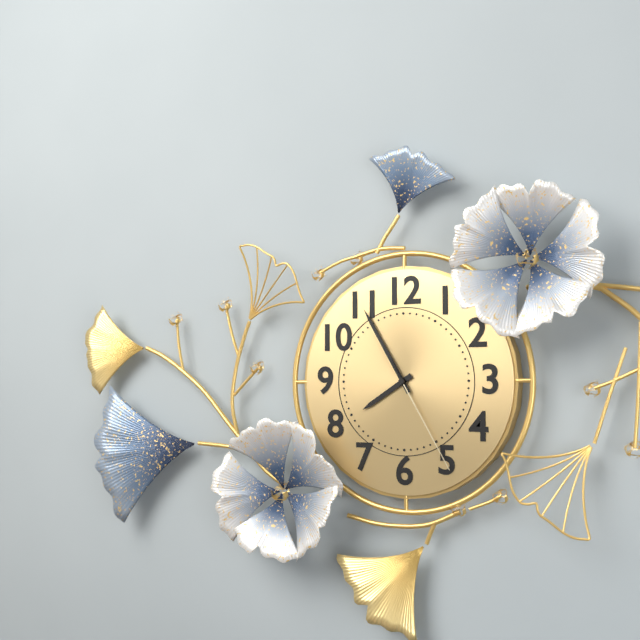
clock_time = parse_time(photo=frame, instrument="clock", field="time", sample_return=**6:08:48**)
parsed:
**7:55:25**
